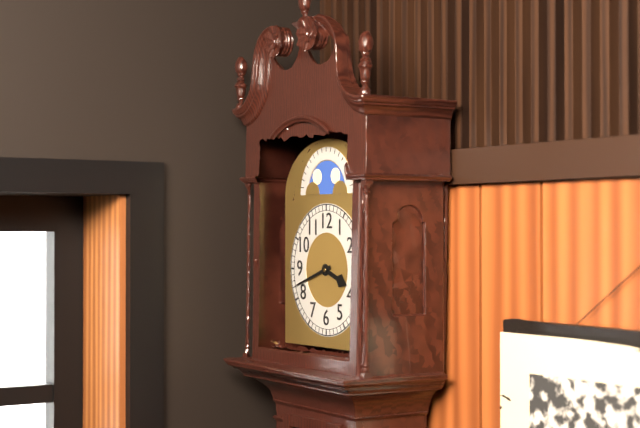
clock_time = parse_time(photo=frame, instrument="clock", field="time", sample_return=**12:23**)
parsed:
**3:42**
